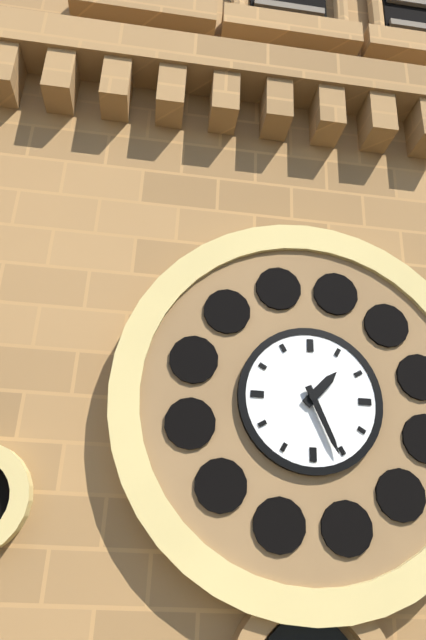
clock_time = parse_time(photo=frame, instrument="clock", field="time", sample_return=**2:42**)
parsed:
**1:26**
